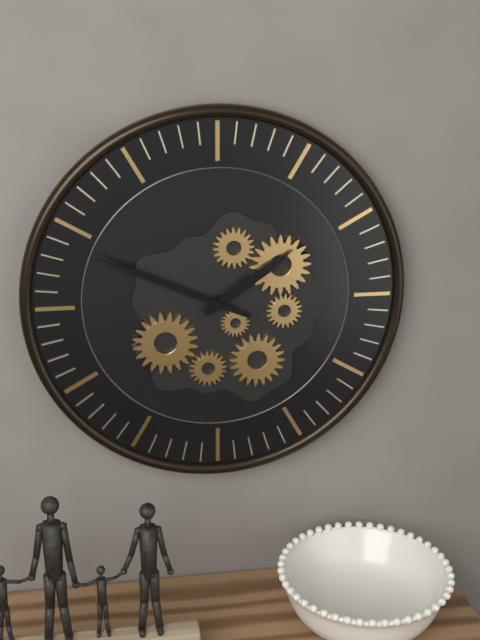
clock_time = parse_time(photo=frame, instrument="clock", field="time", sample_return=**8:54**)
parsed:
**1:49**
